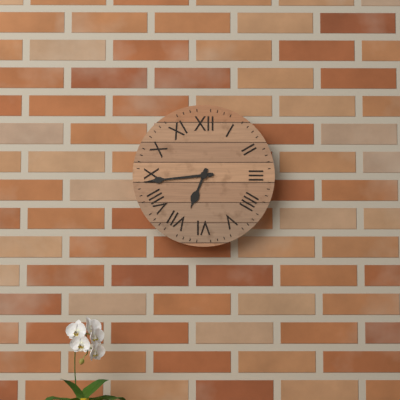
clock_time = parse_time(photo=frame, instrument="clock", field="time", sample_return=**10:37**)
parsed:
**6:44**
